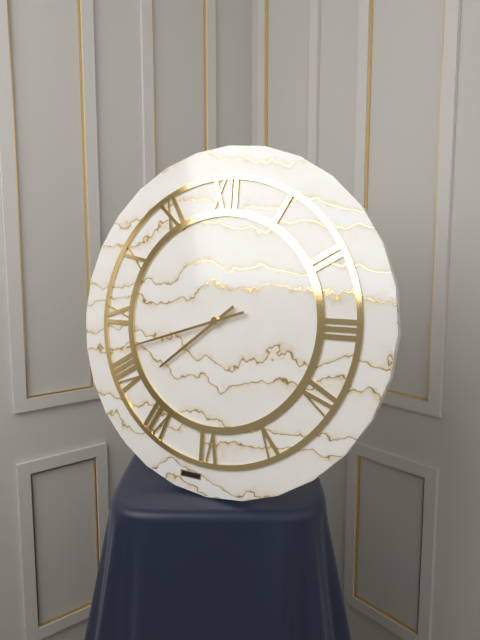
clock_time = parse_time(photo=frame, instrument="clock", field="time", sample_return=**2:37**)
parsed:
**7:42**
